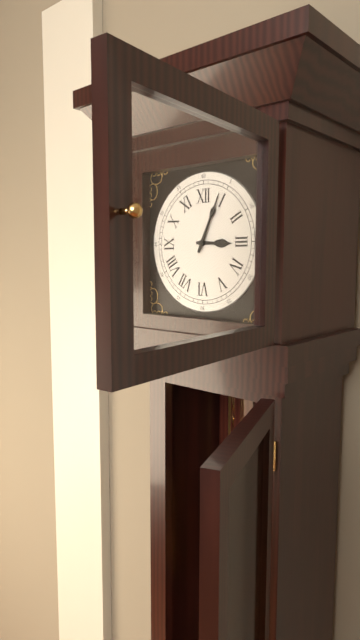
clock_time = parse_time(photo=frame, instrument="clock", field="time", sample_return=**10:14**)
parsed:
**3:04**
